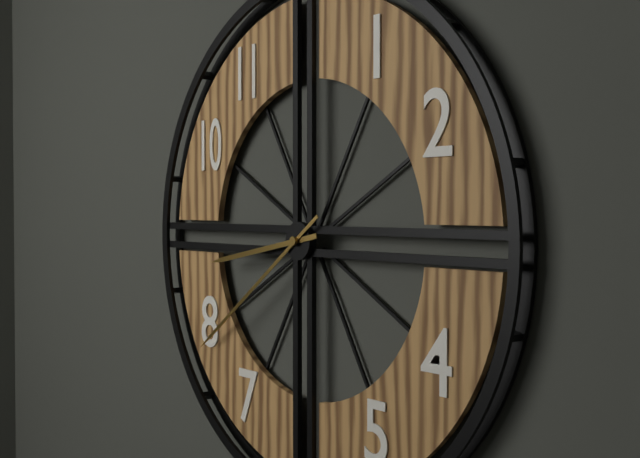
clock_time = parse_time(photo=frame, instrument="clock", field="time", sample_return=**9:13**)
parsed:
**8:39**
